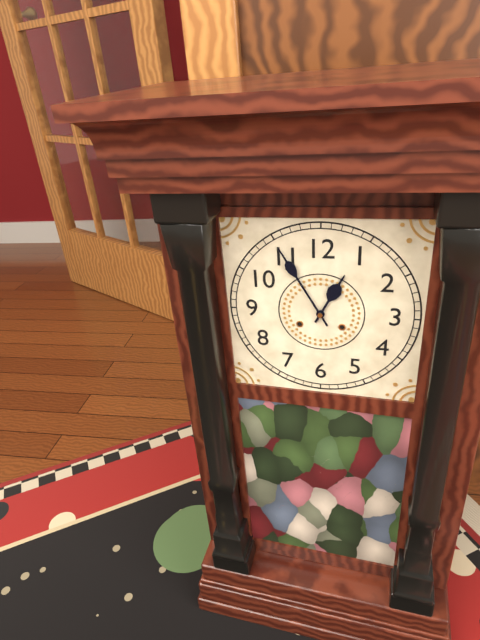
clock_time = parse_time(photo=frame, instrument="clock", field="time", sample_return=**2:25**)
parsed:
**12:55**
